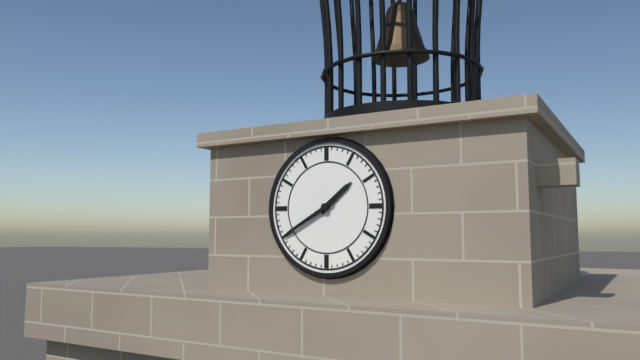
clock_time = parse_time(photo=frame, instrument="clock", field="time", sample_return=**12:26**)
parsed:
**1:40**
